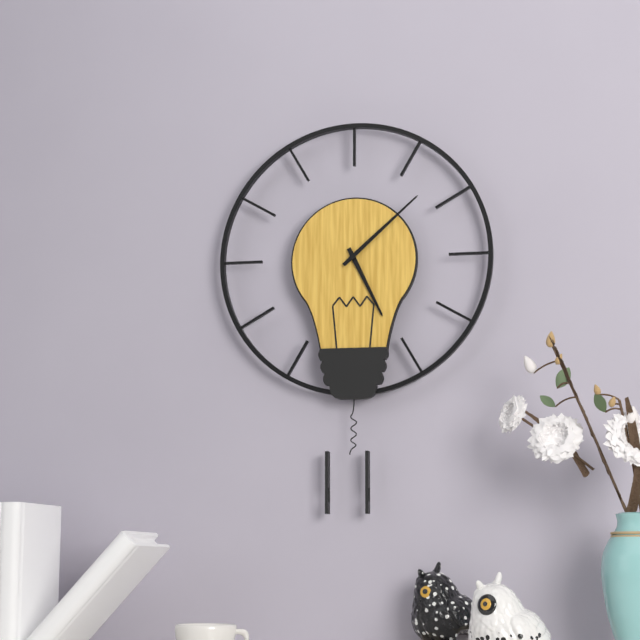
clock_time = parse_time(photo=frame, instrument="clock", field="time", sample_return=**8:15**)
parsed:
**5:08**
